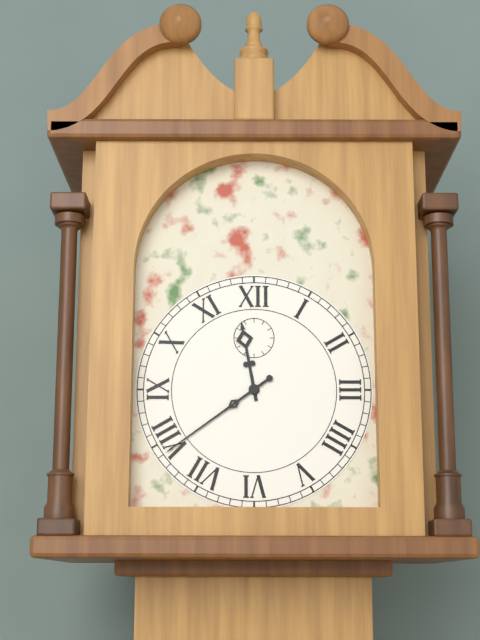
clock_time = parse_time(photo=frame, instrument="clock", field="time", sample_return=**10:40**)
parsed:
**11:39**
